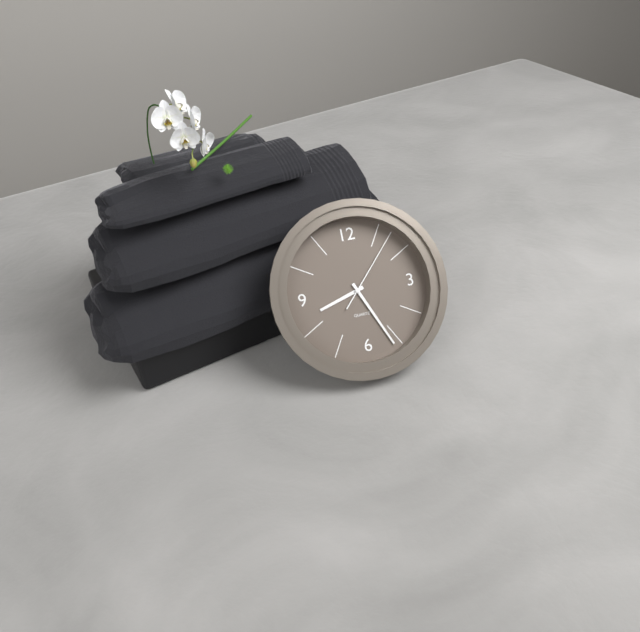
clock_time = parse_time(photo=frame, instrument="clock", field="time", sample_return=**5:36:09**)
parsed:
**8:26:07**
